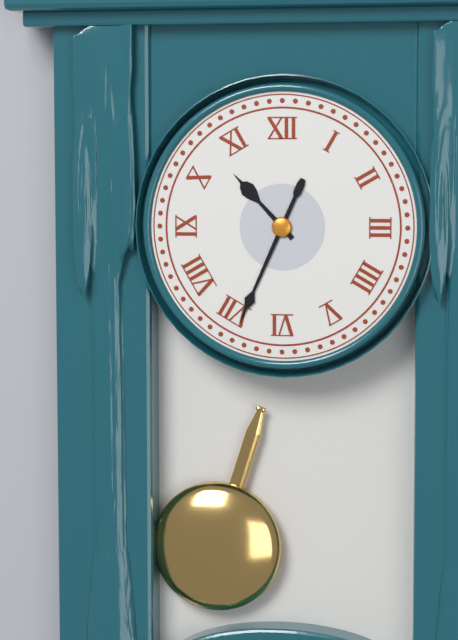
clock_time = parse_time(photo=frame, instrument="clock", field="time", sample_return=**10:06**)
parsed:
**10:34**
